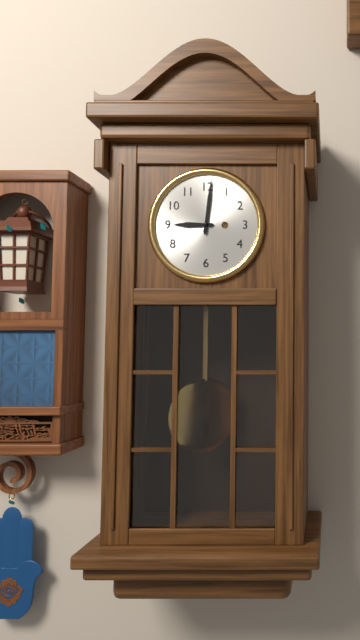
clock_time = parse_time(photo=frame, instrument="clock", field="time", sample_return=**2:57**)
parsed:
**9:01**
